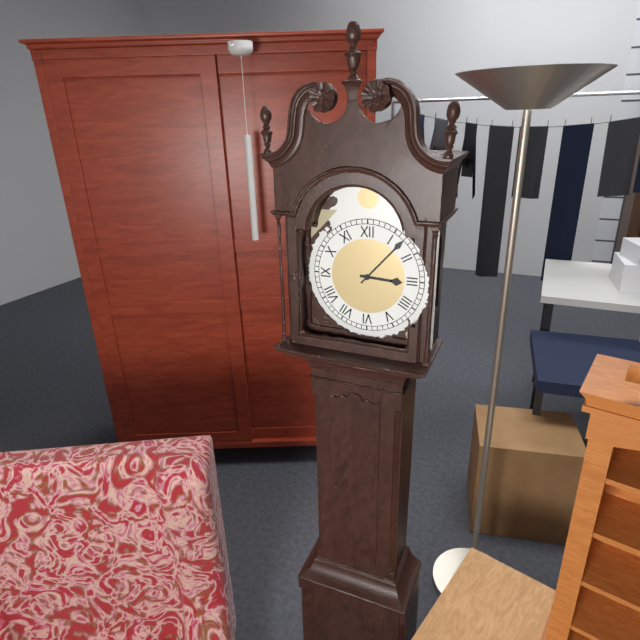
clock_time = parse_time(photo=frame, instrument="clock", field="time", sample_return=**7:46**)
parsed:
**3:07**
